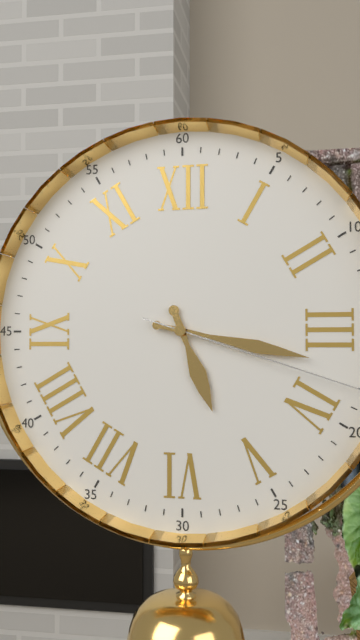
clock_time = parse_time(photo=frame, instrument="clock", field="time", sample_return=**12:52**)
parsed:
**5:17**
